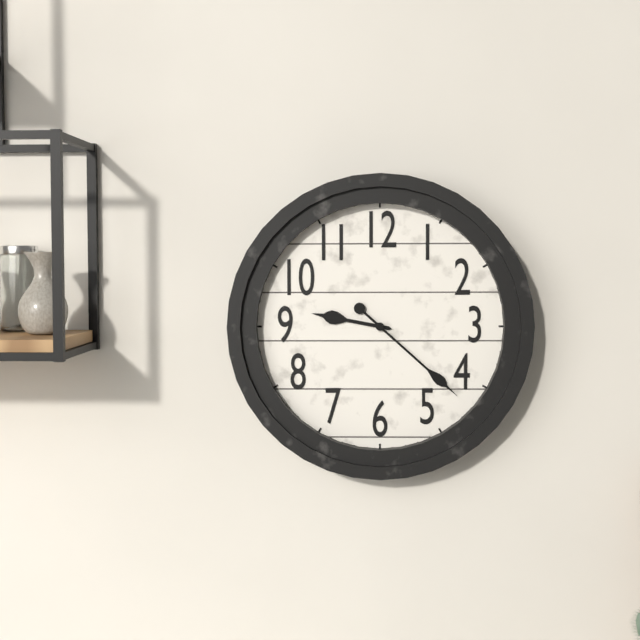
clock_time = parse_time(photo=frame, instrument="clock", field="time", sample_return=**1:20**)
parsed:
**9:22**
